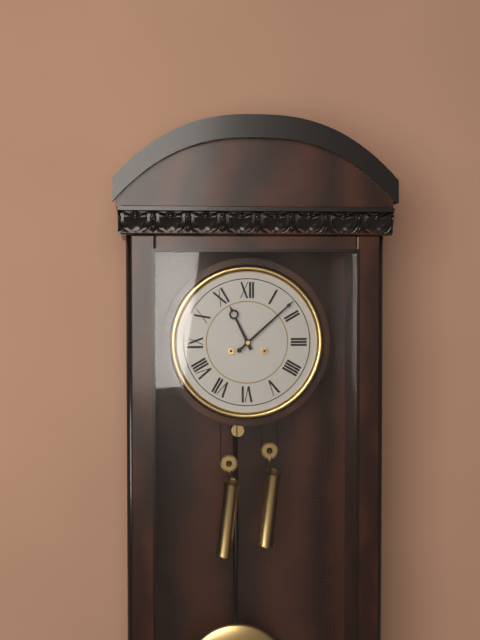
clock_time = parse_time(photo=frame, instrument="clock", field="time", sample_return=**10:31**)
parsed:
**11:08**
